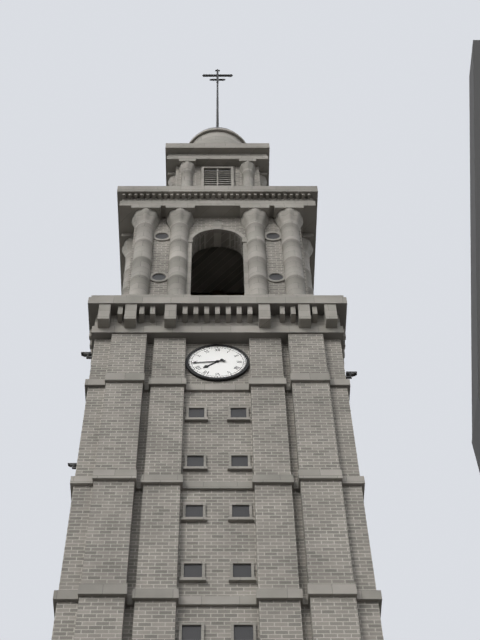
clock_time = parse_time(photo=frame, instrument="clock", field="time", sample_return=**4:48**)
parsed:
**7:44**
